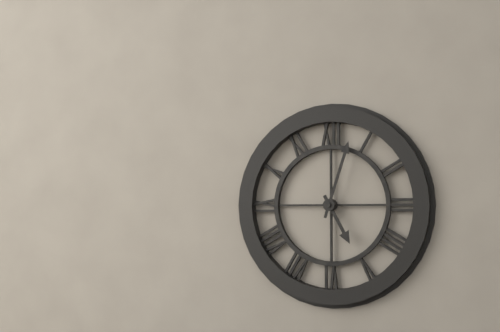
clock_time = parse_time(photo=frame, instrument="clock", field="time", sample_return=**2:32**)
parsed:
**5:03**
